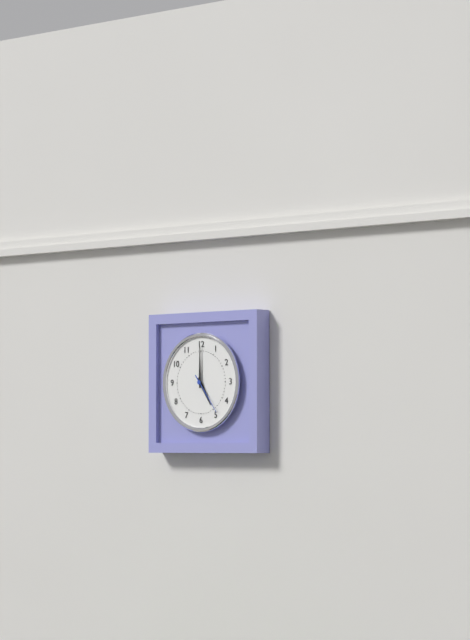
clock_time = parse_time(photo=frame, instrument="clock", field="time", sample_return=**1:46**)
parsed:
**5:00**
